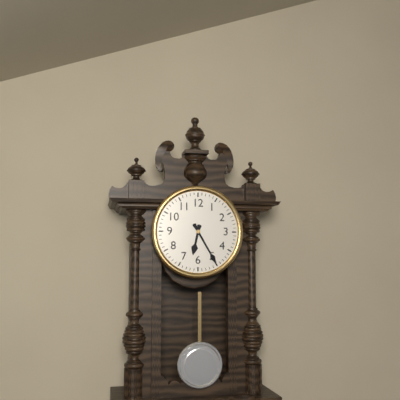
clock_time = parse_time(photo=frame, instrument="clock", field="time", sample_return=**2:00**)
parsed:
**6:25**
